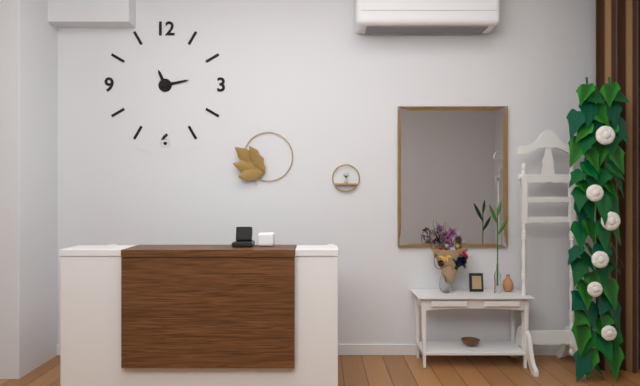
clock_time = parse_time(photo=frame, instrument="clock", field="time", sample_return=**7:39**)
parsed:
**11:13**
